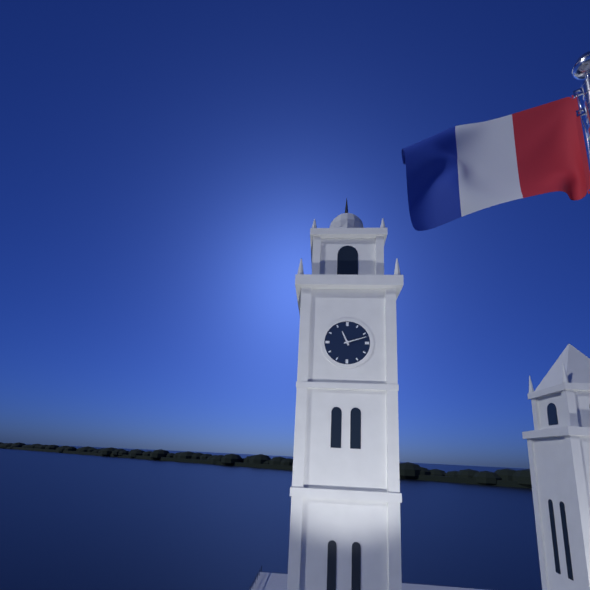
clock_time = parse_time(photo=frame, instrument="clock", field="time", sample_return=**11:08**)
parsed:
**11:12**
